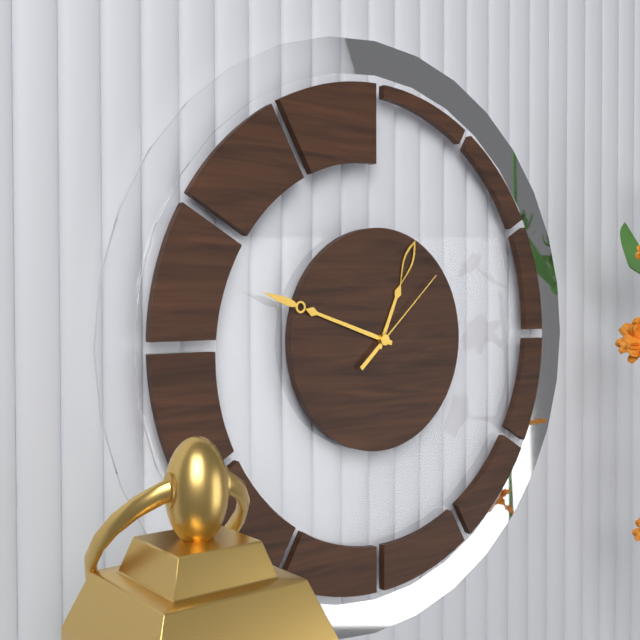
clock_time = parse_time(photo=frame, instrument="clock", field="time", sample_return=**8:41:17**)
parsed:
**12:48:08**
